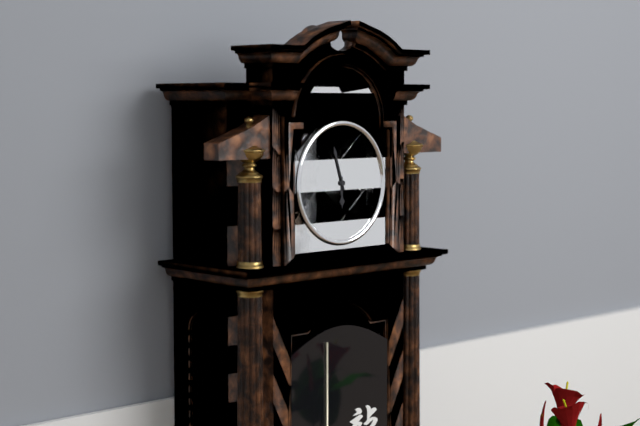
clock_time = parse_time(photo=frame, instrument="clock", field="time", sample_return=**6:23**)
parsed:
**5:57**
